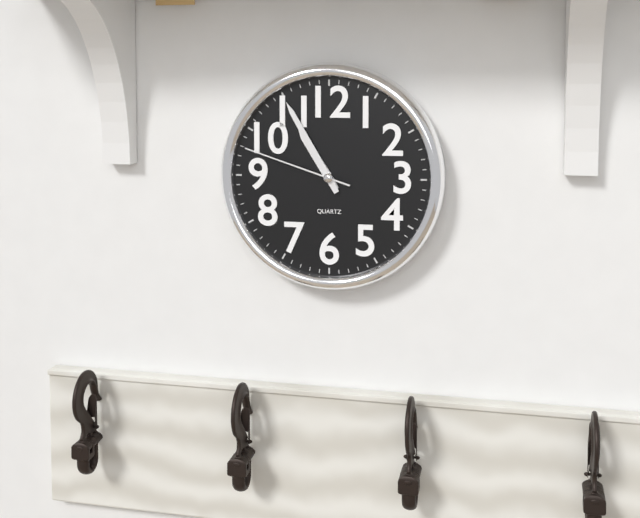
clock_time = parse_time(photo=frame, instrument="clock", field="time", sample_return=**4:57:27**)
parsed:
**10:55:48**
